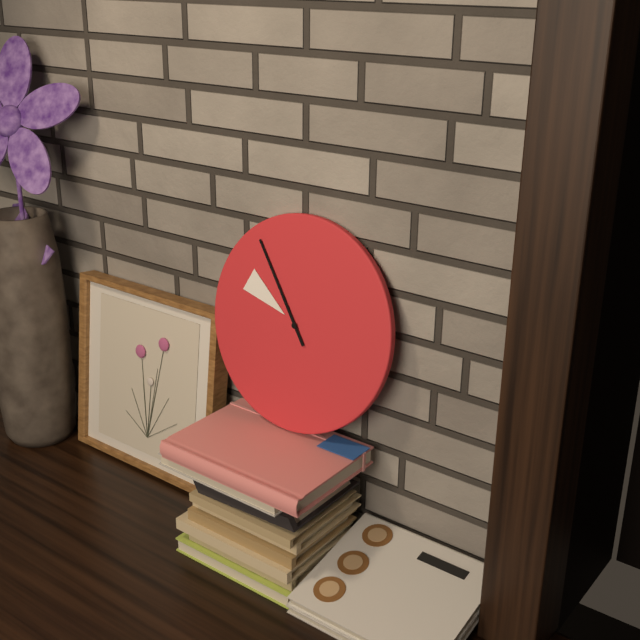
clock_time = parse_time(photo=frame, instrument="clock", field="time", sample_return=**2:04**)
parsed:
**9:54**
